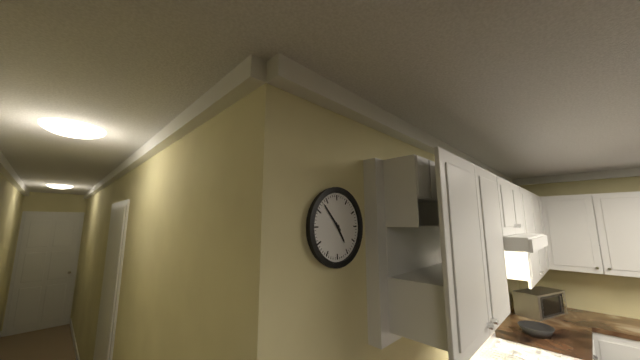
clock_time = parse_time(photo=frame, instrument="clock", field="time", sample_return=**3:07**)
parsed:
**4:53**
